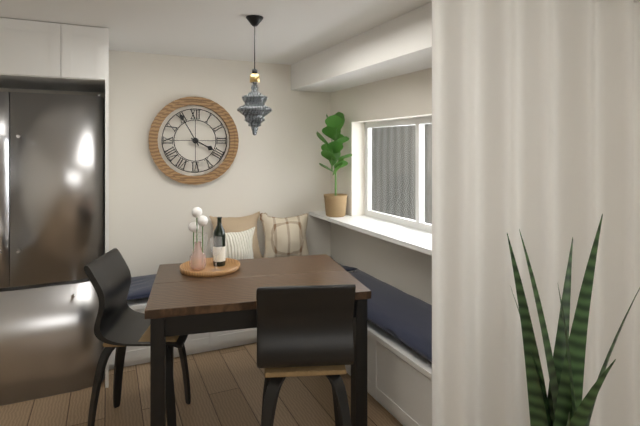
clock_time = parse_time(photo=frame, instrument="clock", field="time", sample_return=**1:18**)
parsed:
**3:55**
